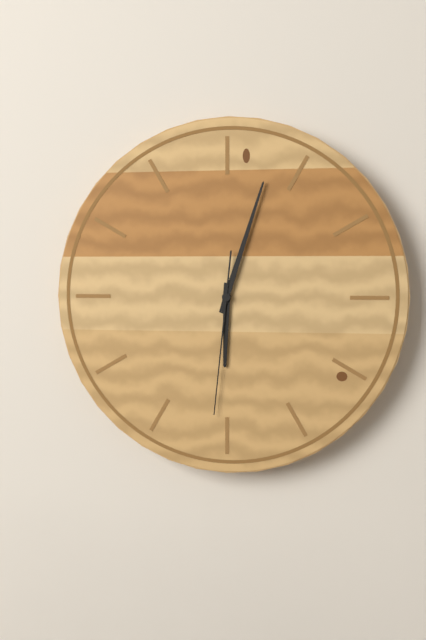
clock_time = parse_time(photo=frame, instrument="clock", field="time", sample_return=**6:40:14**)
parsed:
**6:03:31**
